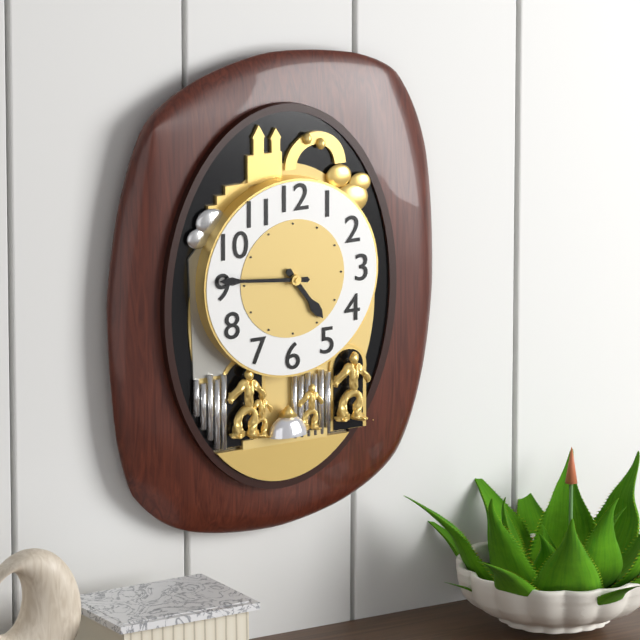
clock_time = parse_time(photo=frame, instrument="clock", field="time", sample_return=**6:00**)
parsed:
**4:46**
